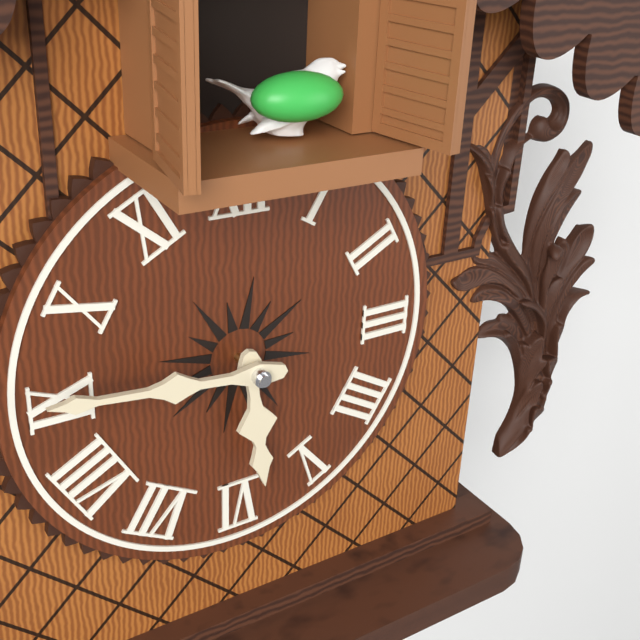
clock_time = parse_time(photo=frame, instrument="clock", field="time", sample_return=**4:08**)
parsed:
**5:46**
